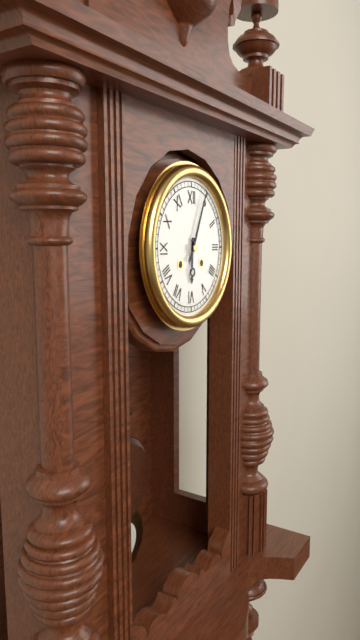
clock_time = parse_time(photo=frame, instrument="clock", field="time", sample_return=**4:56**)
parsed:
**6:04**
